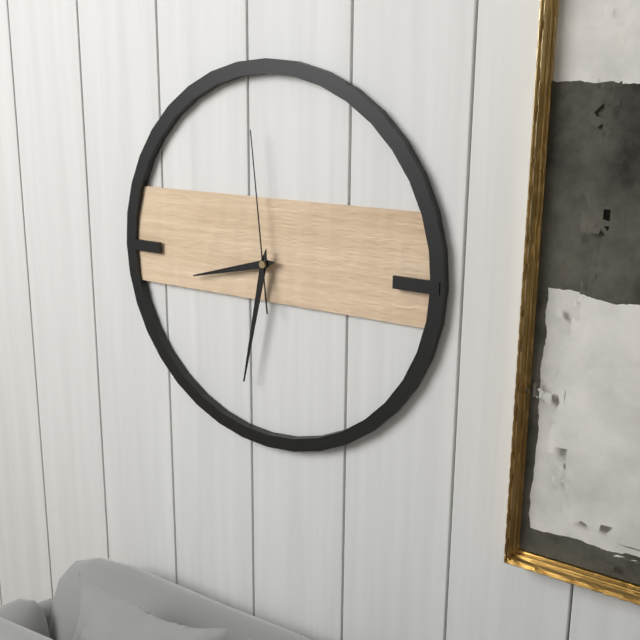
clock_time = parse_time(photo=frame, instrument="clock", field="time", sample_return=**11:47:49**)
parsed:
**8:32:59**
